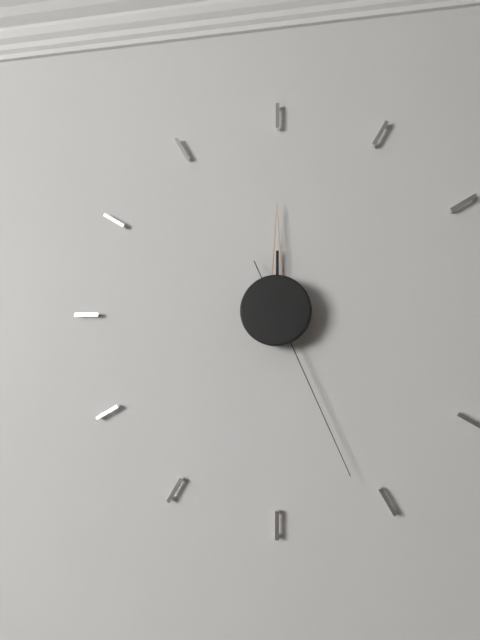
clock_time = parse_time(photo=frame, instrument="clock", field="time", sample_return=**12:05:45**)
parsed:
**12:00:26**
